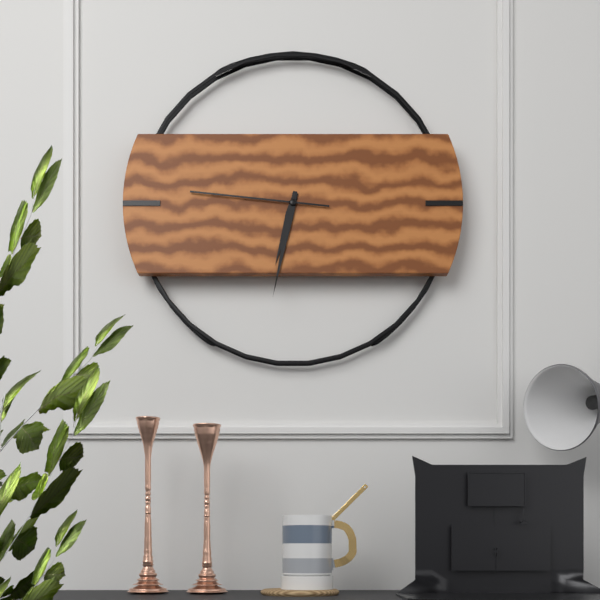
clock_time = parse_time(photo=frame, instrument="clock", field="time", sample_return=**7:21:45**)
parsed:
**6:32:46**
